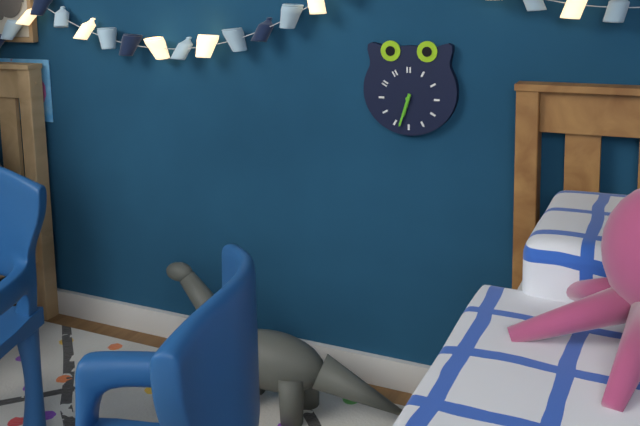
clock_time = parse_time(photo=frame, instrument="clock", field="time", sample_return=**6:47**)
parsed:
**6:33**
